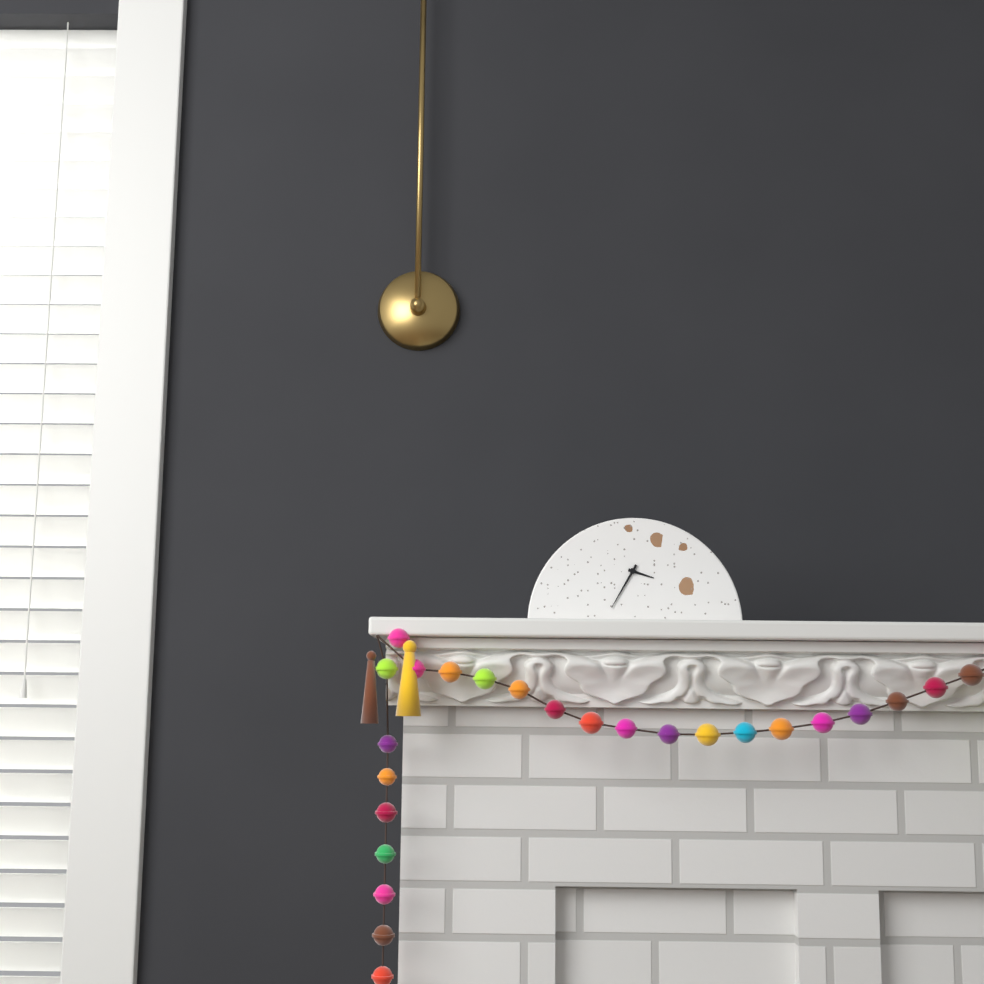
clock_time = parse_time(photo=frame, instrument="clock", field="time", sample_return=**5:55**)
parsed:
**3:35**
